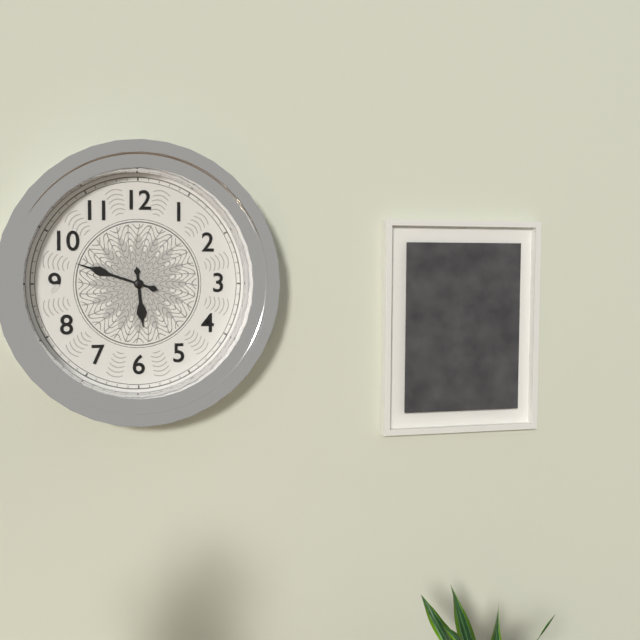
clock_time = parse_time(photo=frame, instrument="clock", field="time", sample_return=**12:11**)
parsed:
**5:48**
